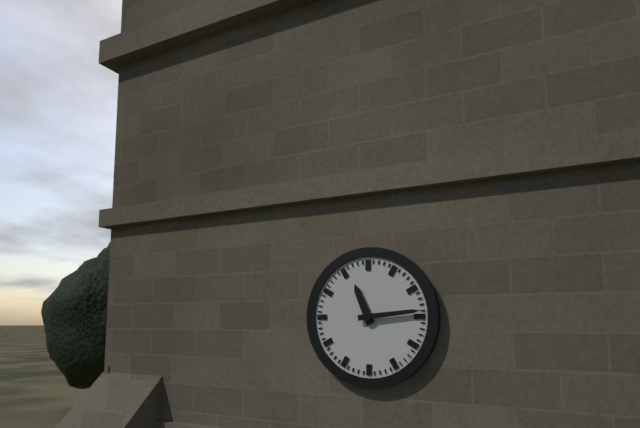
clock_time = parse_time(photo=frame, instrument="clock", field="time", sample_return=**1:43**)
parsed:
**11:14**
